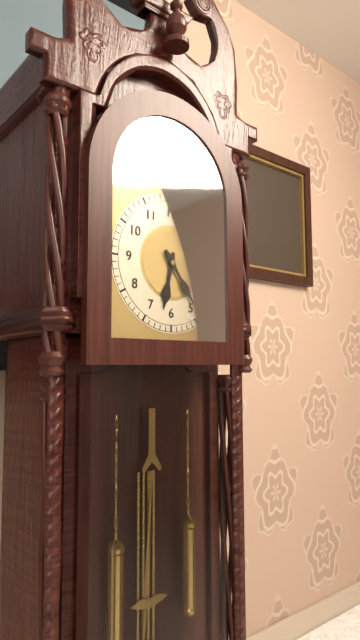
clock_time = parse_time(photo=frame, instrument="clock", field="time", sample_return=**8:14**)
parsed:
**6:24**
